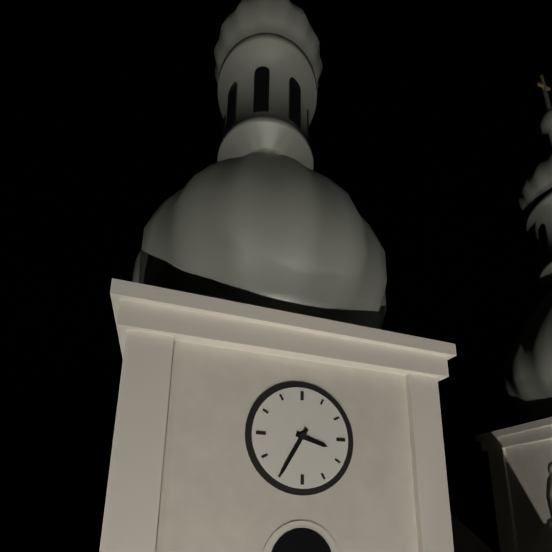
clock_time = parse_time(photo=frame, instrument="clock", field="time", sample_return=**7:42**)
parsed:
**3:35**
